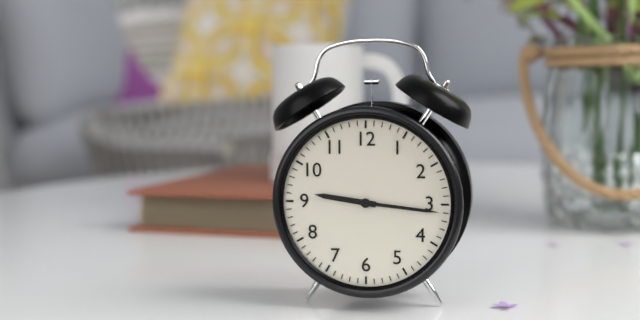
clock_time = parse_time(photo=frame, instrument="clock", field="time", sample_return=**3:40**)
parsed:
**9:16**
